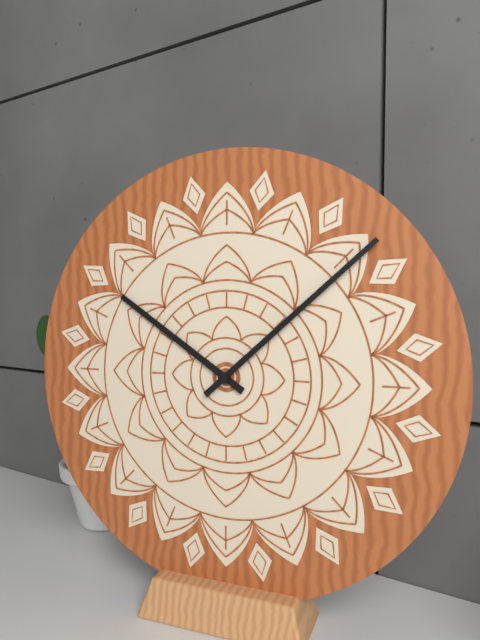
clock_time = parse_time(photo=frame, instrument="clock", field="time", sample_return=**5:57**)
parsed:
**10:08**
